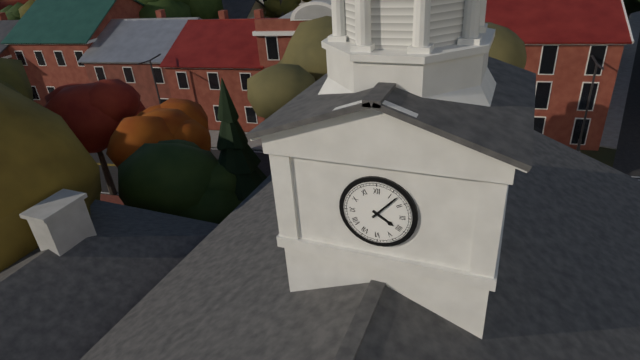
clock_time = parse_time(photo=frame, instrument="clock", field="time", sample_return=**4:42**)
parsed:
**4:07**
